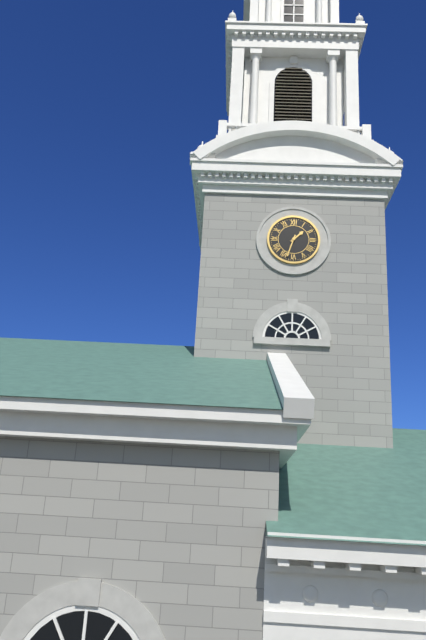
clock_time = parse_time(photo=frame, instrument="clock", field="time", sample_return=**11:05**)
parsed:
**1:33**
